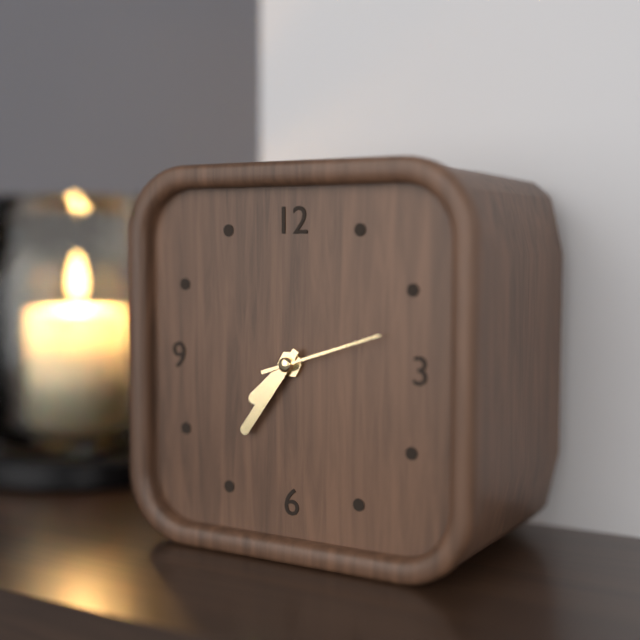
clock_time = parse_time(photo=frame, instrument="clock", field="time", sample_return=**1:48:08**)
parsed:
**7:36:12**
